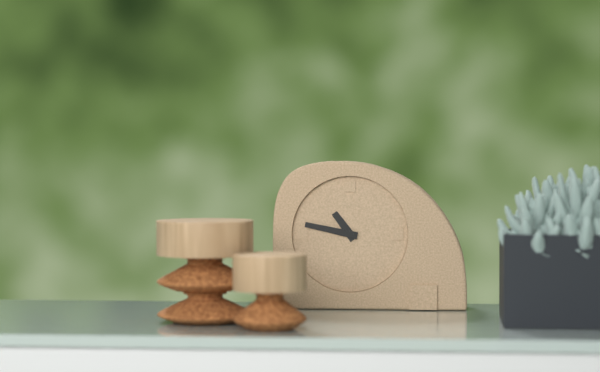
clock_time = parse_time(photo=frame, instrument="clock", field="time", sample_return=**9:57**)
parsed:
**10:47**
